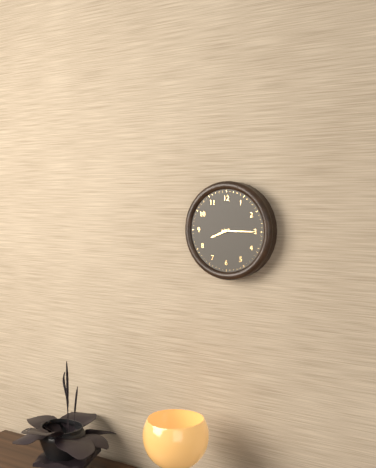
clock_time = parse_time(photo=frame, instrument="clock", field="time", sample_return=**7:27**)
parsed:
**8:15**
